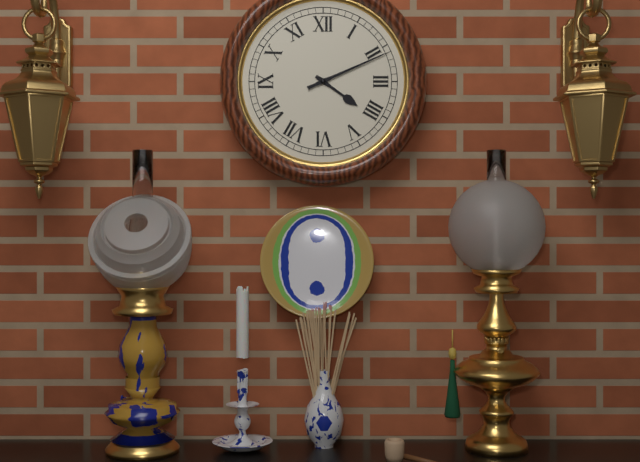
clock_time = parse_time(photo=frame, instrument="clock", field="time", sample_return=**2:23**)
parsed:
**4:11**
